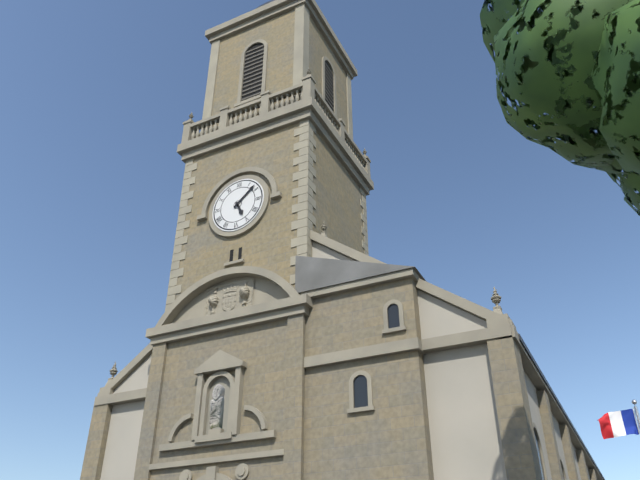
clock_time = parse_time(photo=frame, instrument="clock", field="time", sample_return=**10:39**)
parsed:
**5:08**
